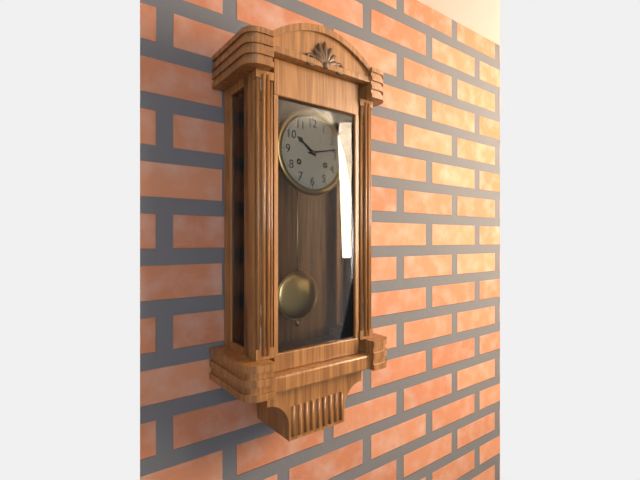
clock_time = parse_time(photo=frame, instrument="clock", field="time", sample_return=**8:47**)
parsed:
**10:13**
